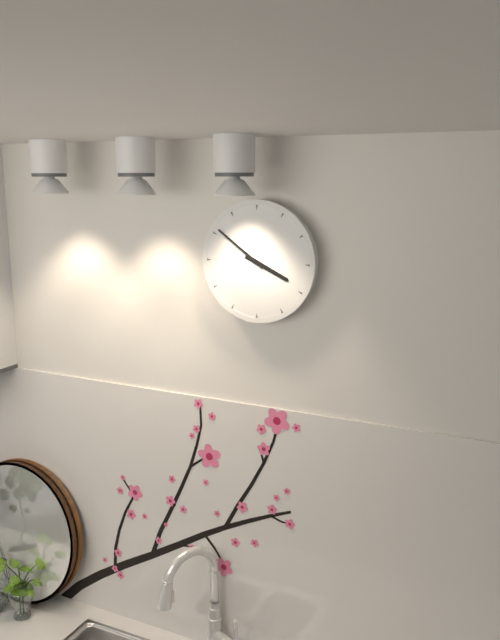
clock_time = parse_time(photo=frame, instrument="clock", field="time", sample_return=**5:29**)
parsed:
**3:51**
